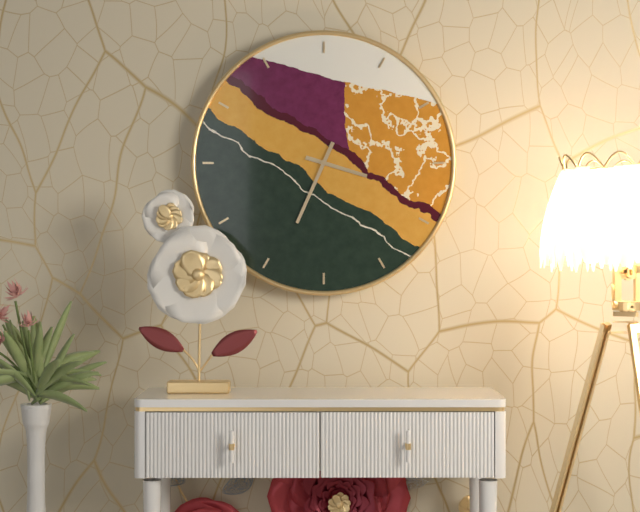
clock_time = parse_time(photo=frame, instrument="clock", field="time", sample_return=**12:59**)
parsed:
**3:34**
